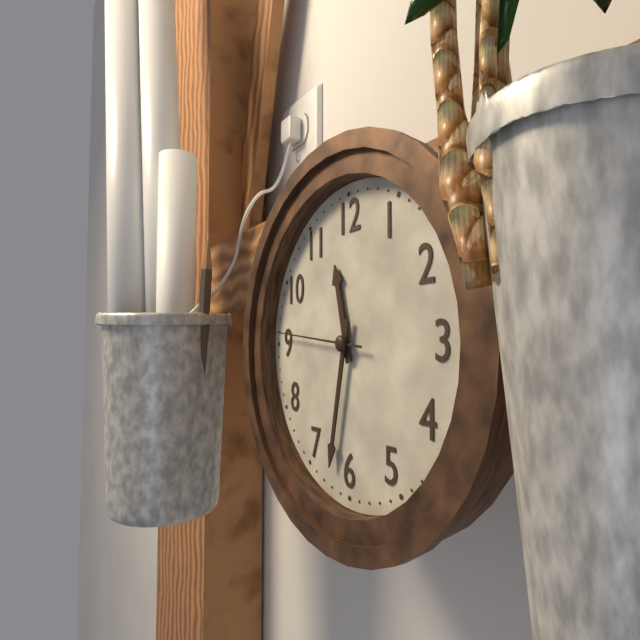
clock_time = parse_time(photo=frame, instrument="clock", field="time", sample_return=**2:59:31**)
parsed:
**11:32:46**
